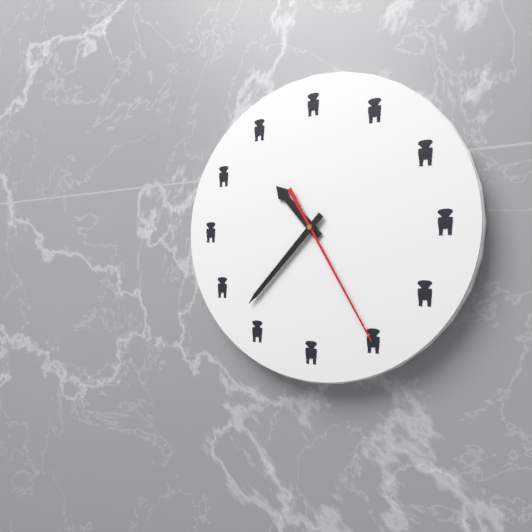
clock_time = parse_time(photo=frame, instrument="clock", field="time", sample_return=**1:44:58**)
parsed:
**10:37:25**
